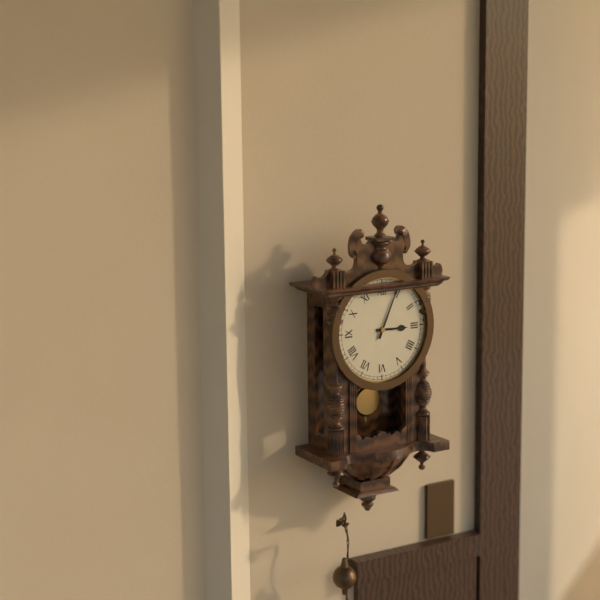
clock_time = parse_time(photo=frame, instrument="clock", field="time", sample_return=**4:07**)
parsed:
**3:04**
